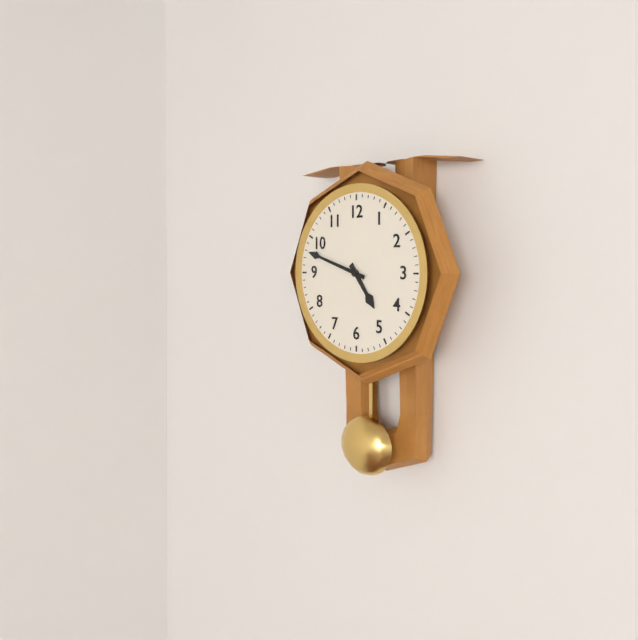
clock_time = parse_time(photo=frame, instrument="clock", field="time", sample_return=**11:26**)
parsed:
**4:48**
